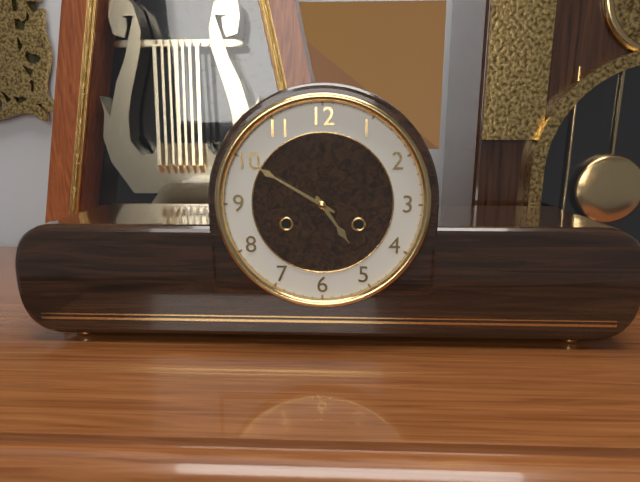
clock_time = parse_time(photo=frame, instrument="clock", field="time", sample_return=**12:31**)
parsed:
**4:50**
